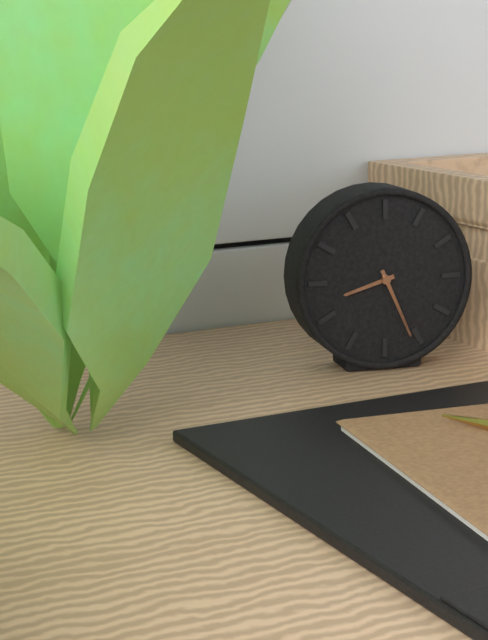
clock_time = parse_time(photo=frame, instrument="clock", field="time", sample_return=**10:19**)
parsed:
**8:26**
